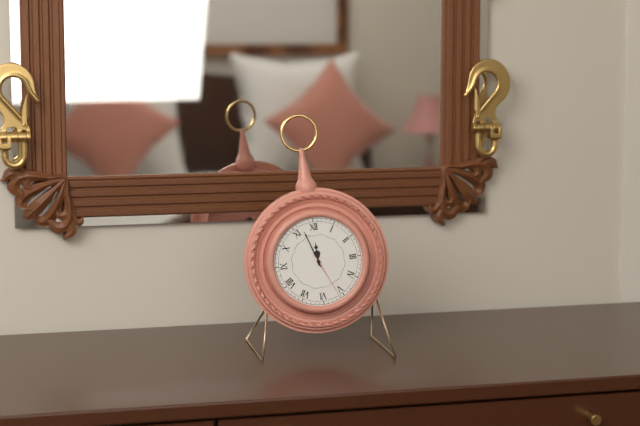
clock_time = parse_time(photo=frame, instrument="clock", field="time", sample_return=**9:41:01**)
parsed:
**11:57:26**
